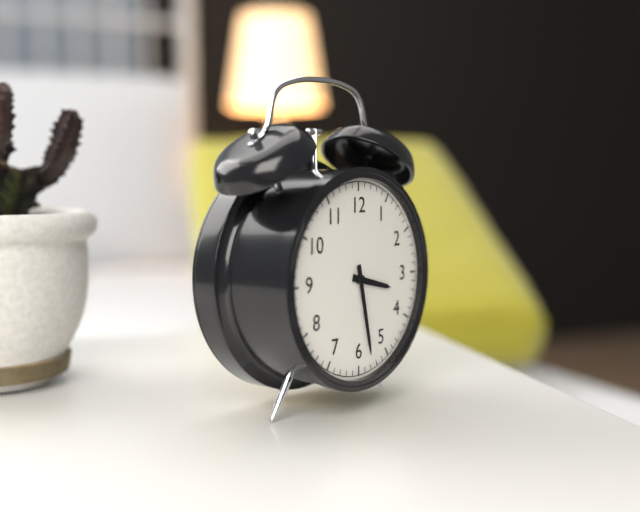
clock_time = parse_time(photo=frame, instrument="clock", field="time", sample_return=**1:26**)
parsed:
**3:28**
